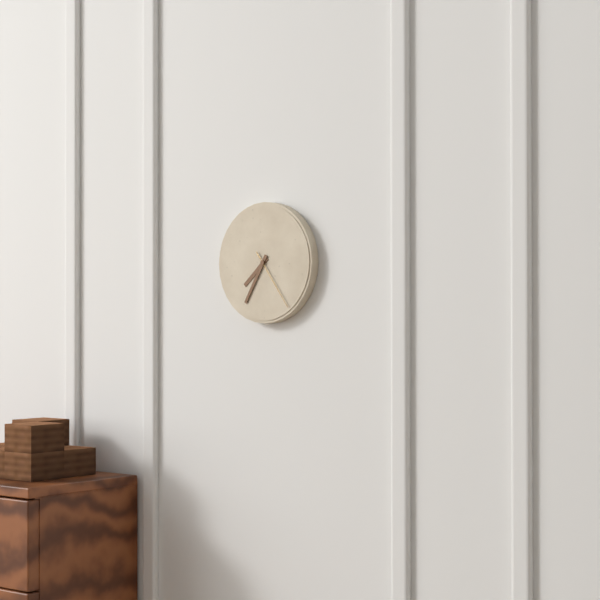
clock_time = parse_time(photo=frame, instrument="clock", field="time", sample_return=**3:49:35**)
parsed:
**7:35:24**
